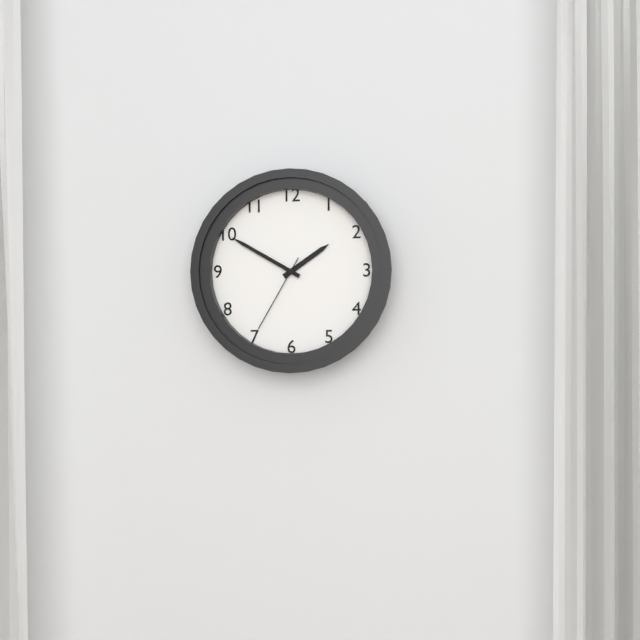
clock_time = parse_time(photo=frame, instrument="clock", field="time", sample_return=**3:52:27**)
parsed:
**1:50:35**
